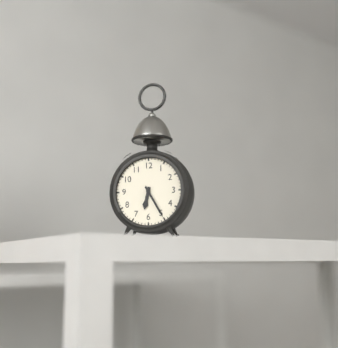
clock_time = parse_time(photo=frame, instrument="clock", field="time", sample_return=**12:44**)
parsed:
**6:25**
